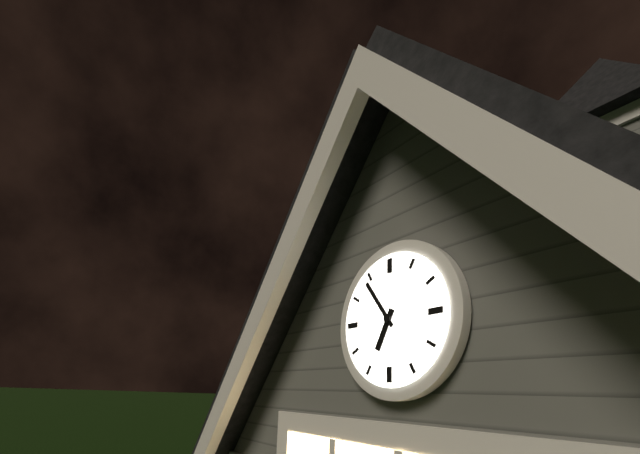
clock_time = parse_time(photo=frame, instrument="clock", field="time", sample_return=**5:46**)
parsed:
**6:54**
